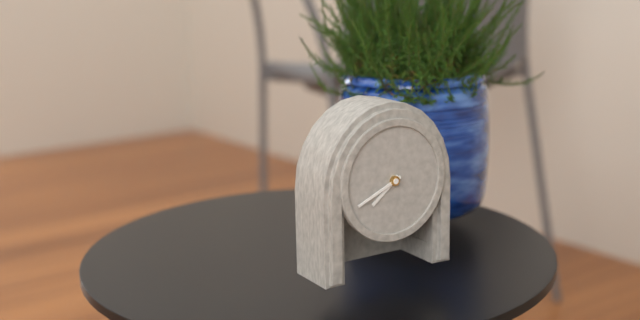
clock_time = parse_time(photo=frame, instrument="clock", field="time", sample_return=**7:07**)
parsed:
**7:41**
